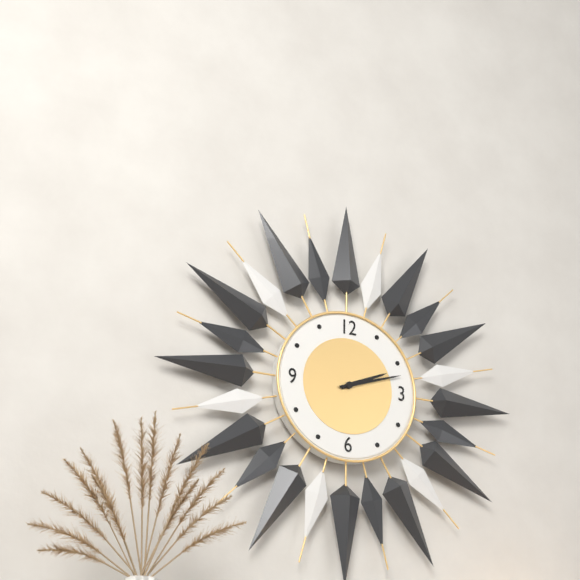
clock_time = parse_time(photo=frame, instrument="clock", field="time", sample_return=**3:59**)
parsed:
**2:12**
